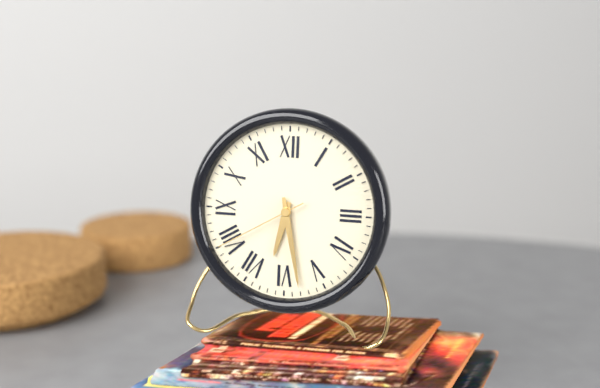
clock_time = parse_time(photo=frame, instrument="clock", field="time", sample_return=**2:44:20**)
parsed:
**6:28:40**
